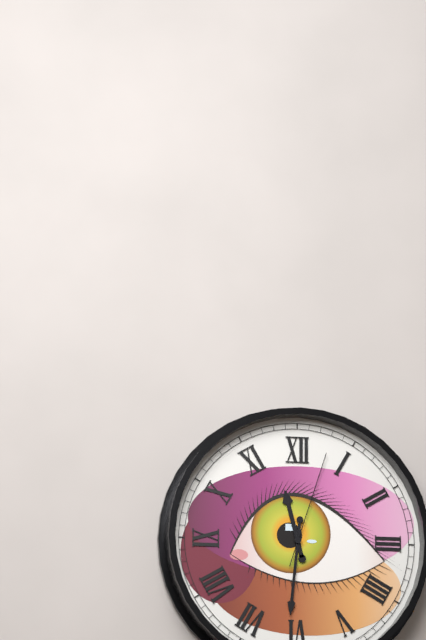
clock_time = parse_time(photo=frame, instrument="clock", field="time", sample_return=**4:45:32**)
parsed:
**11:31:03**
